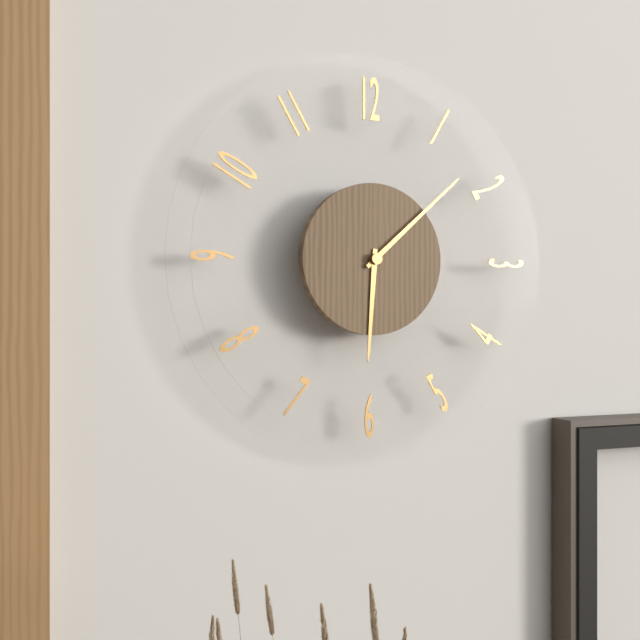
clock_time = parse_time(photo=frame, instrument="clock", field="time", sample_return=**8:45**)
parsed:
**6:08**
